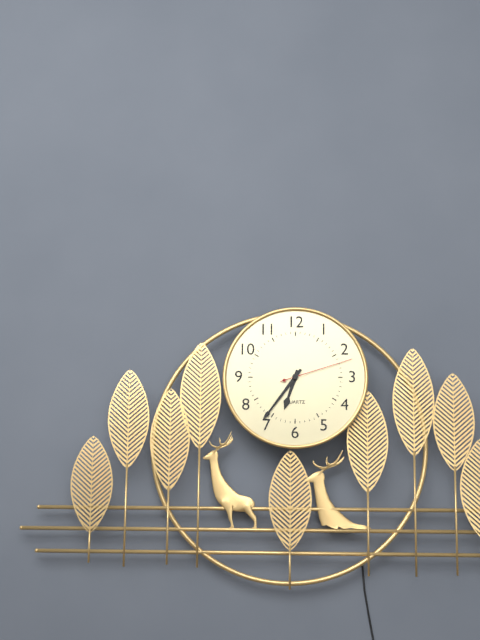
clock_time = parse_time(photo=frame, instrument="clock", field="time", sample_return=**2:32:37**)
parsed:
**6:36:12**
